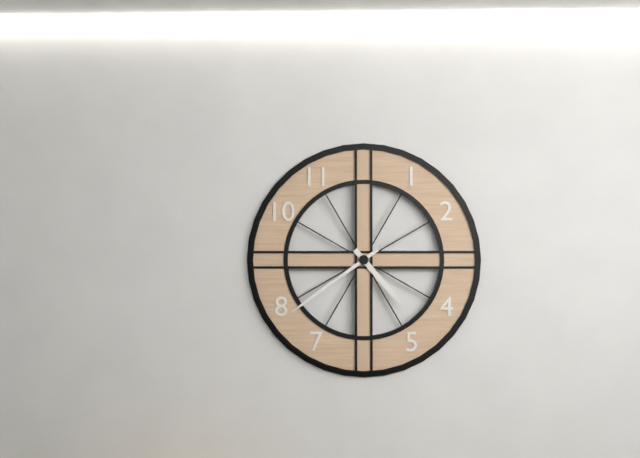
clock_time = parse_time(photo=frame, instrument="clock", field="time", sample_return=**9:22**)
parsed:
**4:39**
